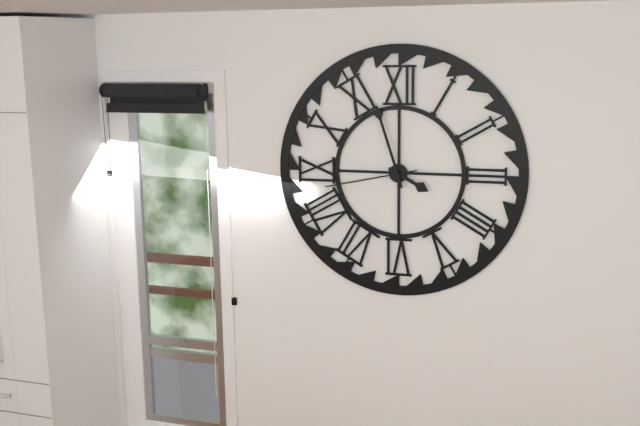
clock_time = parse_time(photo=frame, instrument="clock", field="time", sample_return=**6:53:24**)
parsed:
**3:57:43**
